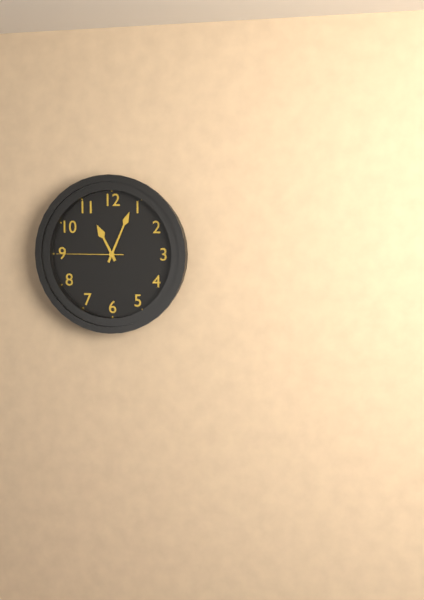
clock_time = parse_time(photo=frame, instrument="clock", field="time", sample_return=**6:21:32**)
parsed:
**11:04:45**
